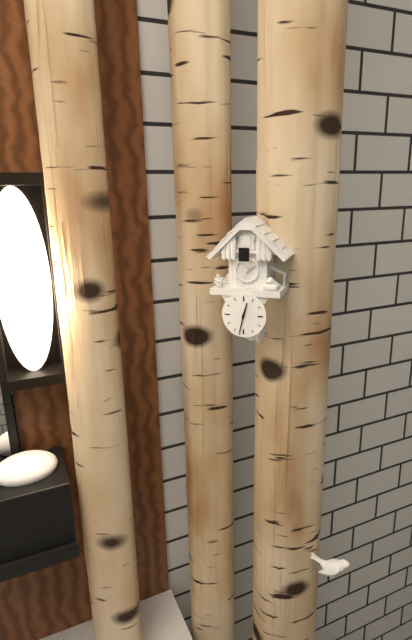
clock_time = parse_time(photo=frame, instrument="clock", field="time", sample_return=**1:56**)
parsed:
**12:32**
